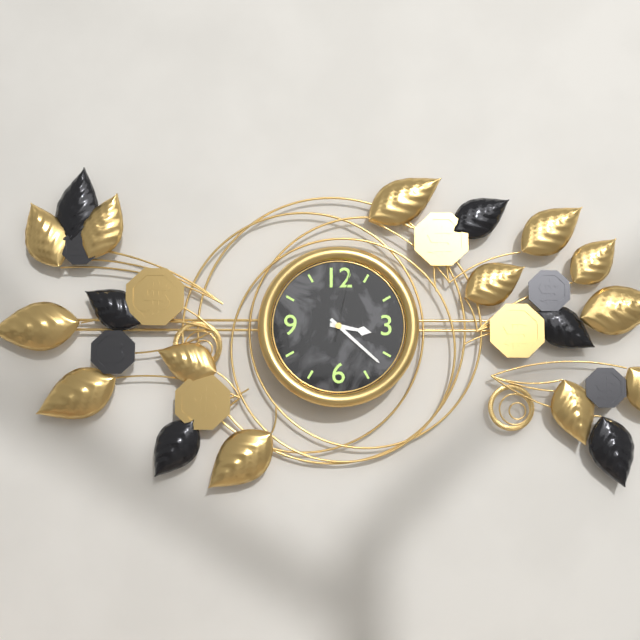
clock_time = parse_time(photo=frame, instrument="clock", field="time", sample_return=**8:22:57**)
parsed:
**3:22:02**
